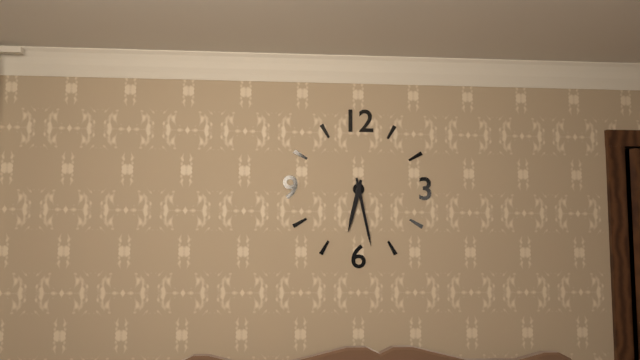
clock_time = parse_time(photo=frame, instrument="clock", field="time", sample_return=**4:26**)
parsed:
**6:28**
